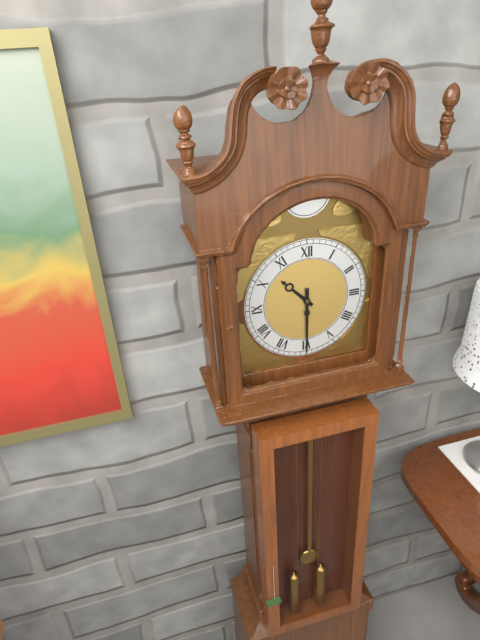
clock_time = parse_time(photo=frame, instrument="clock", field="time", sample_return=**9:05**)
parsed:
**10:30**
